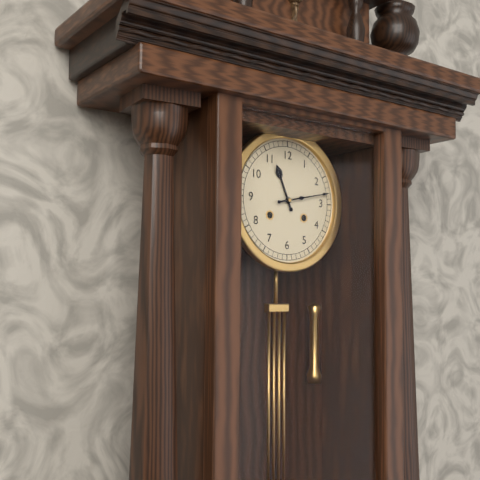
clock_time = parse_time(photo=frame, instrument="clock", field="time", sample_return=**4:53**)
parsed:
**11:13**
